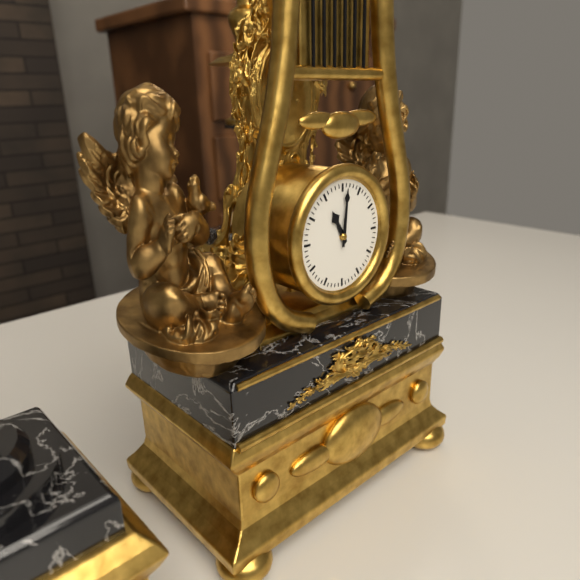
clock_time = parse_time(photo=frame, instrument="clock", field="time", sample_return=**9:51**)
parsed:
**11:01**
